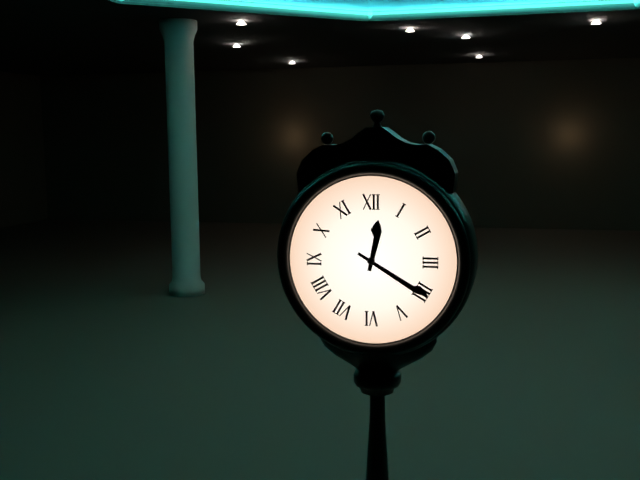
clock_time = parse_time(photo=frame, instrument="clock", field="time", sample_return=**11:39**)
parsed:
**12:20**
